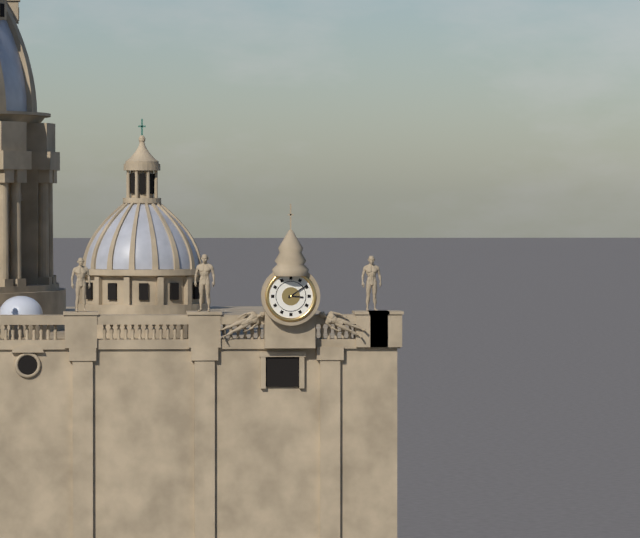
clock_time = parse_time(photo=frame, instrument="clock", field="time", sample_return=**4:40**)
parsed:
**3:09**
